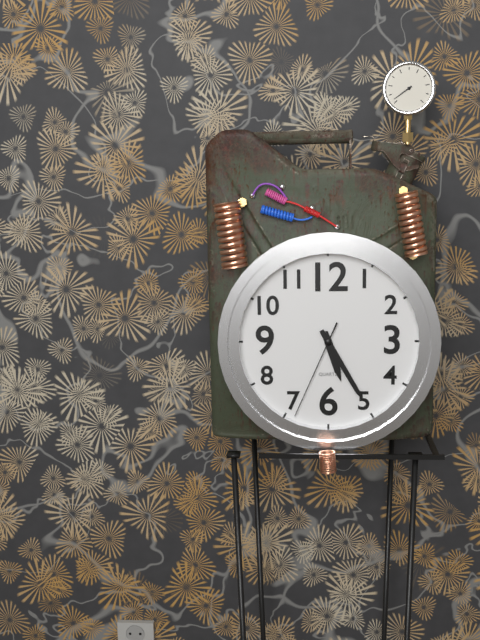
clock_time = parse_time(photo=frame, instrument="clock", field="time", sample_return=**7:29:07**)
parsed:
**5:25:34**
